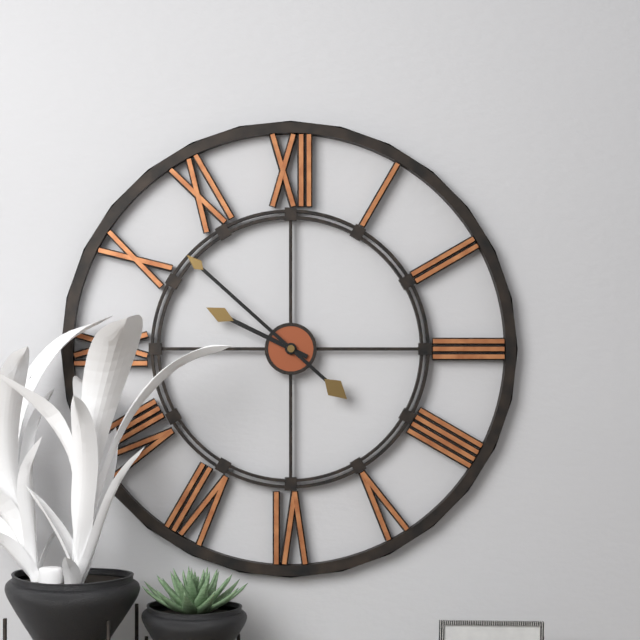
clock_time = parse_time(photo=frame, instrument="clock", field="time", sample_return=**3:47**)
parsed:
**9:52**
